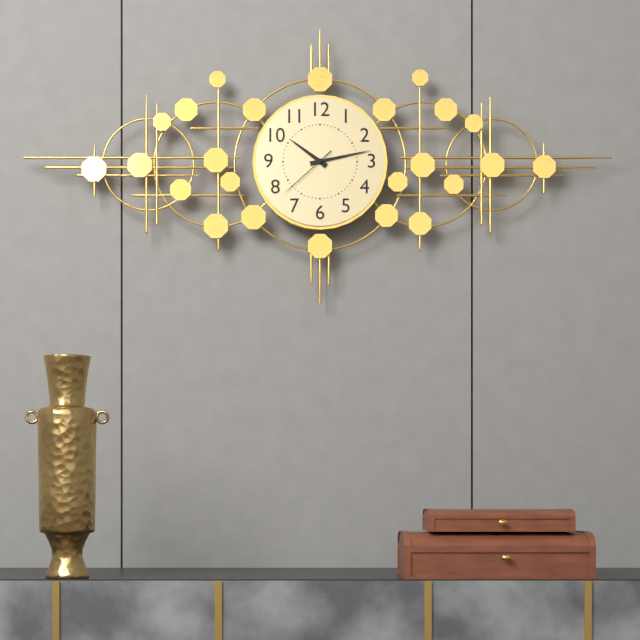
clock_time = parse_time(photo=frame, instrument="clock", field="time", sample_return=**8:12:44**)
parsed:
**10:13:38**
